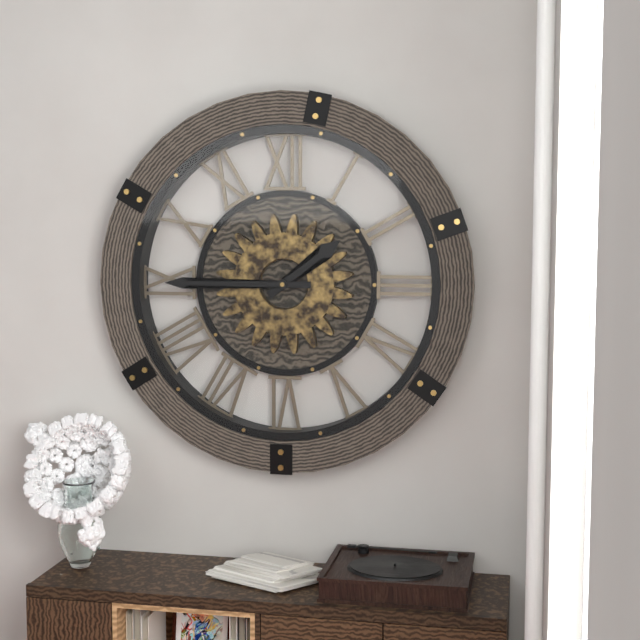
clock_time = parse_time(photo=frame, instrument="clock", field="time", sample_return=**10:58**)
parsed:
**1:45**
